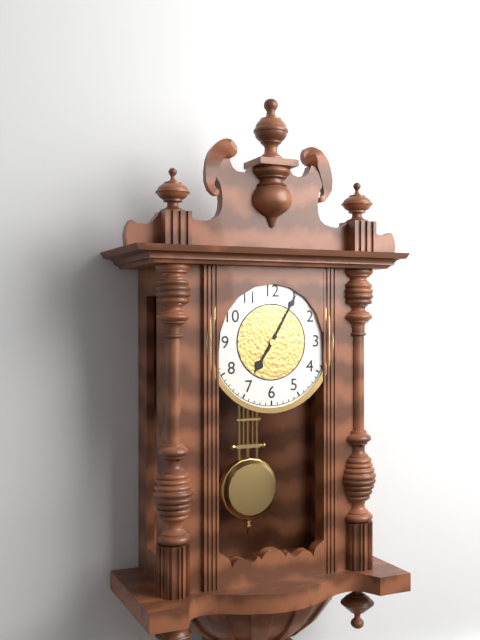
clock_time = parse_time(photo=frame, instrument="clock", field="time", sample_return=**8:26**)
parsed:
**7:05**
